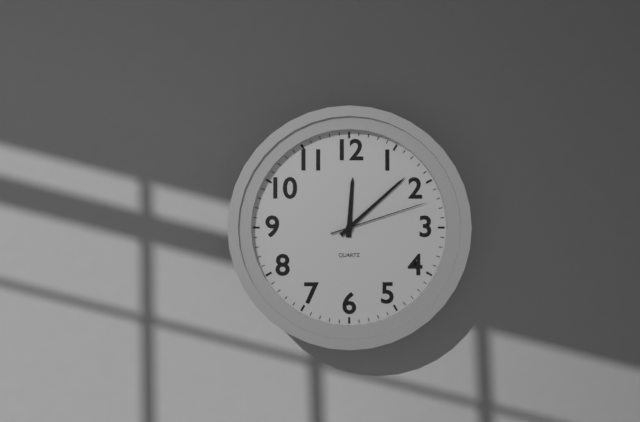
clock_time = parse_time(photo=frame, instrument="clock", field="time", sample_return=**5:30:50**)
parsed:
**12:08:12**
